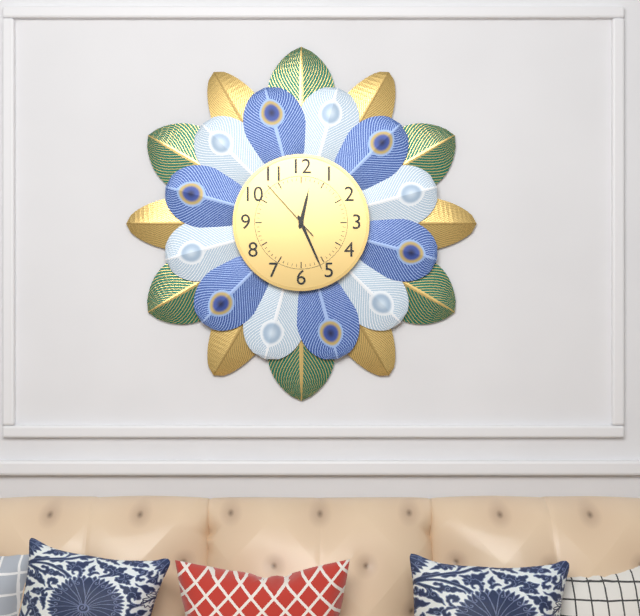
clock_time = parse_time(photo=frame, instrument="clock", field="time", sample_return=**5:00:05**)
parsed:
**12:26:53**
